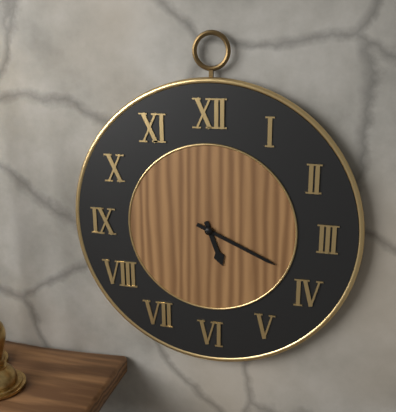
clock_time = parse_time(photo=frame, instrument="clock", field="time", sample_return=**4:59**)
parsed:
**5:19**
